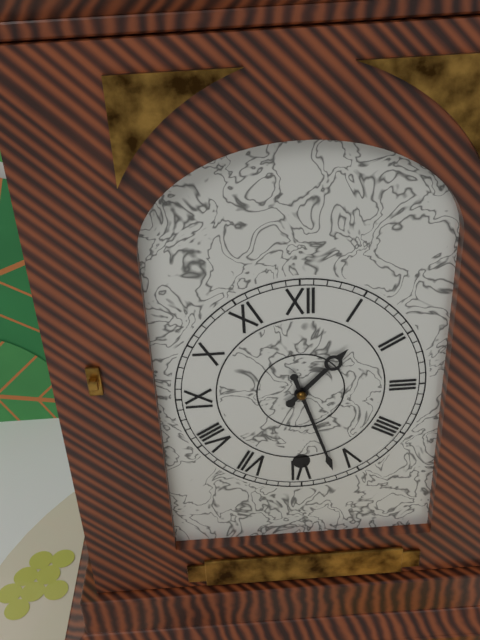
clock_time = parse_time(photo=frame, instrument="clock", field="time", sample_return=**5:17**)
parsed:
**1:27**
